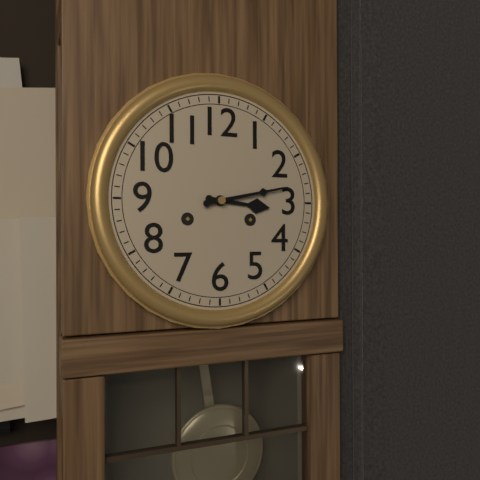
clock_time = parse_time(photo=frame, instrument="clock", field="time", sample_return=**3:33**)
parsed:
**3:13**
